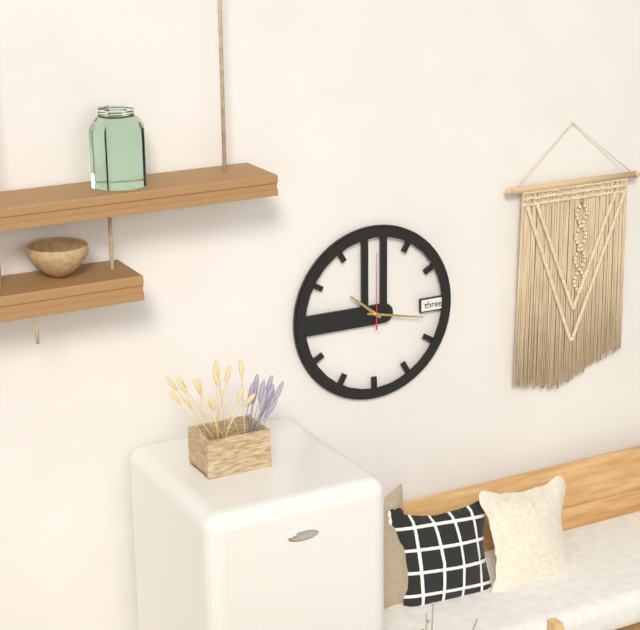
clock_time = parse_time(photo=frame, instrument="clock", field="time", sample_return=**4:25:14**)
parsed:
**10:17:00**
